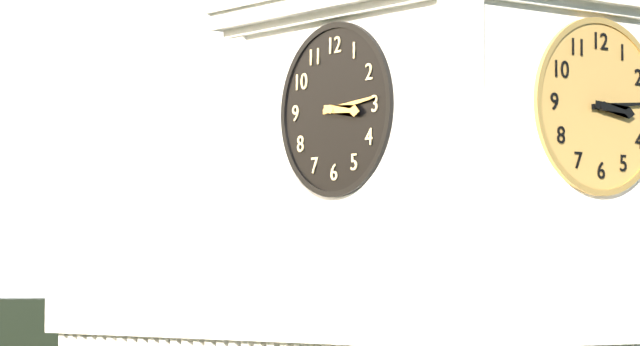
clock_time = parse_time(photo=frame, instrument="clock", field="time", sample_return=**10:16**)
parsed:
**3:14**
